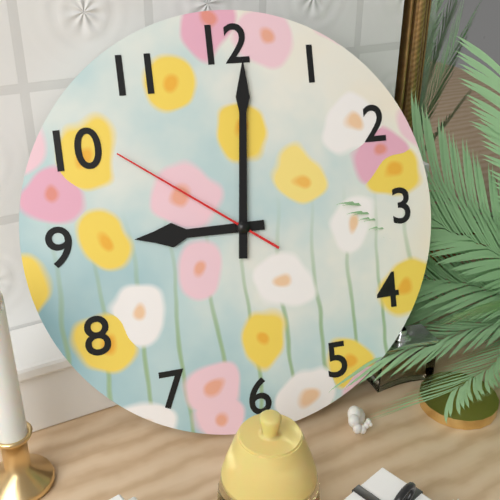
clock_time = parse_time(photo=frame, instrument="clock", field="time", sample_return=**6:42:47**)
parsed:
**9:01:51**
